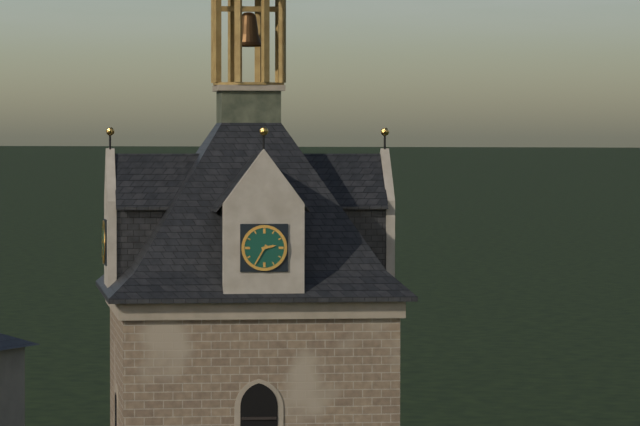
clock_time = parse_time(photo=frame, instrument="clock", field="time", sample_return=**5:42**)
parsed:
**2:35**
